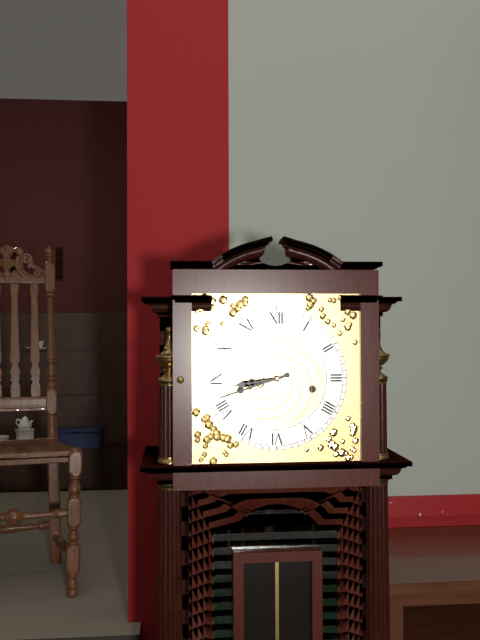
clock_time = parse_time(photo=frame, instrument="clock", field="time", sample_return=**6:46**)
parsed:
**8:42**
